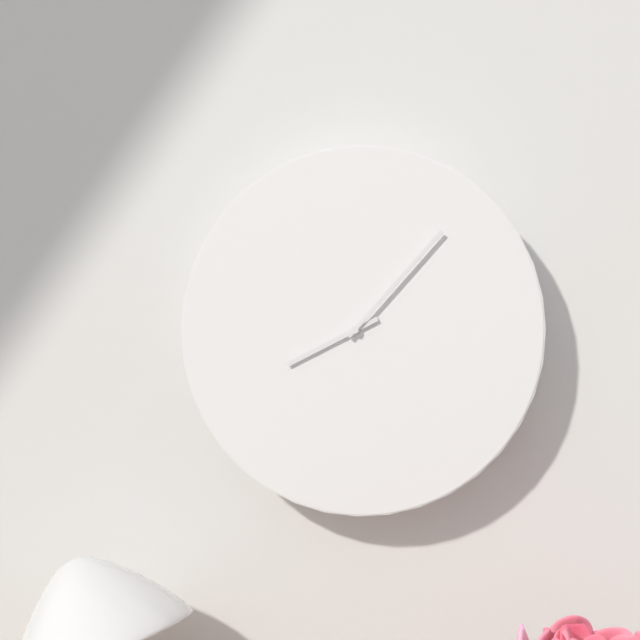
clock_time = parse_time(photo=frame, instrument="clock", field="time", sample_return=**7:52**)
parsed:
**8:07**
